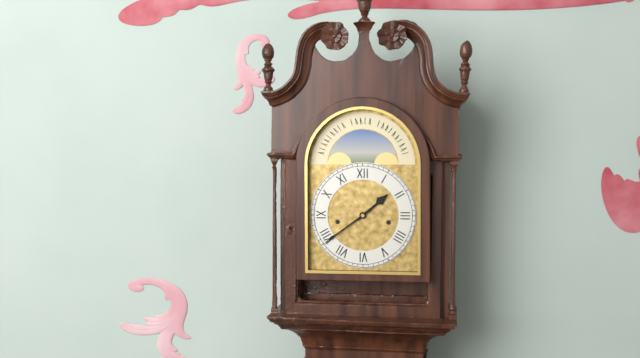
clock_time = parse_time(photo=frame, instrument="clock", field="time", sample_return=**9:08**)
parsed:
**1:39**
